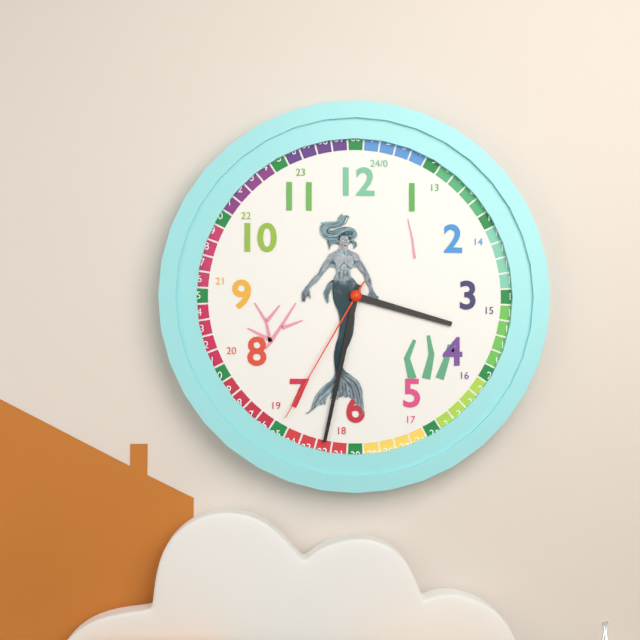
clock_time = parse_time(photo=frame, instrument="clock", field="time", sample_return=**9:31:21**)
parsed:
**3:32:35**
